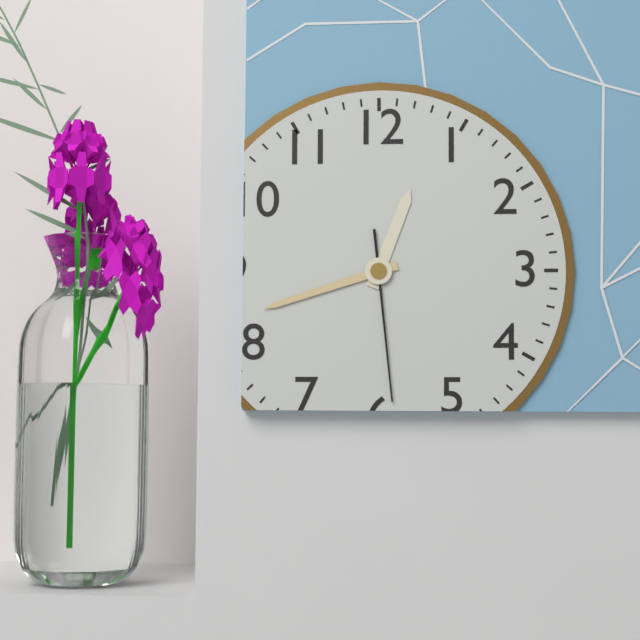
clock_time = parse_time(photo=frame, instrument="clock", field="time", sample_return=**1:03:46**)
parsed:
**12:42:29**
